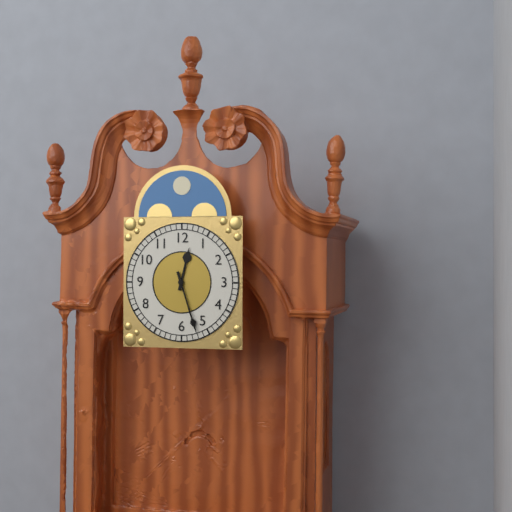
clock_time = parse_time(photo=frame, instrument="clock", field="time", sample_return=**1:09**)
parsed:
**12:27**
